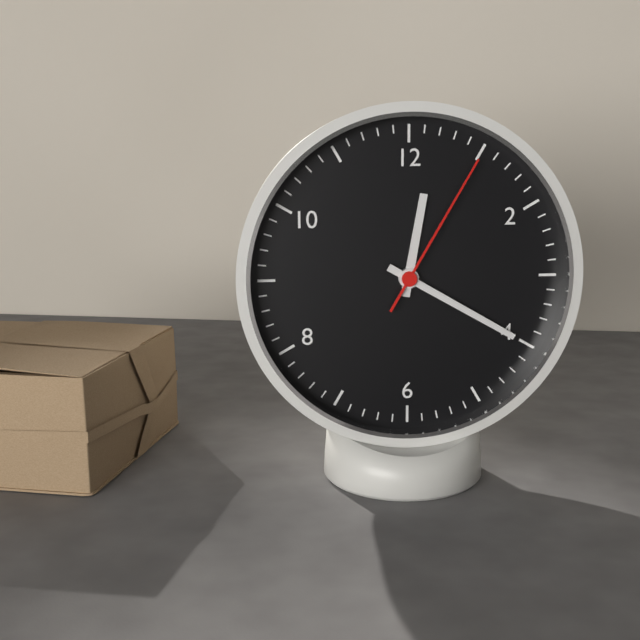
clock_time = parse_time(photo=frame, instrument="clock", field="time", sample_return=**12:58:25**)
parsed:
**12:20:05**
